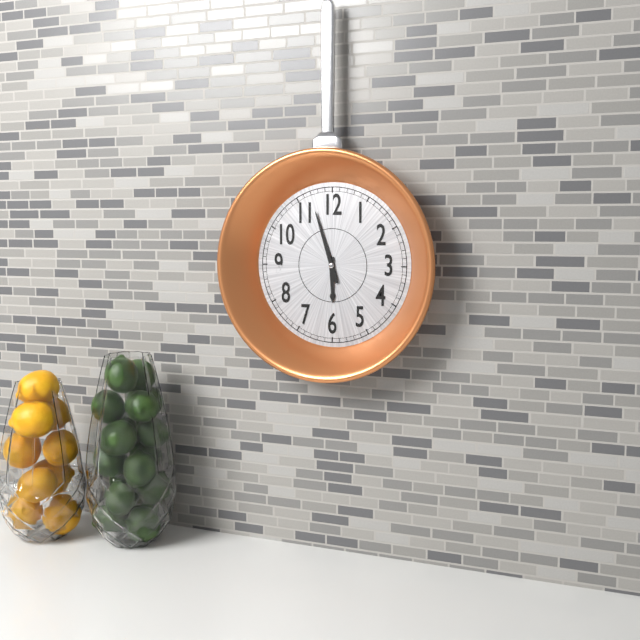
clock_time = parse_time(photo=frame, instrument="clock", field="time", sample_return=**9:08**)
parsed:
**5:57**
